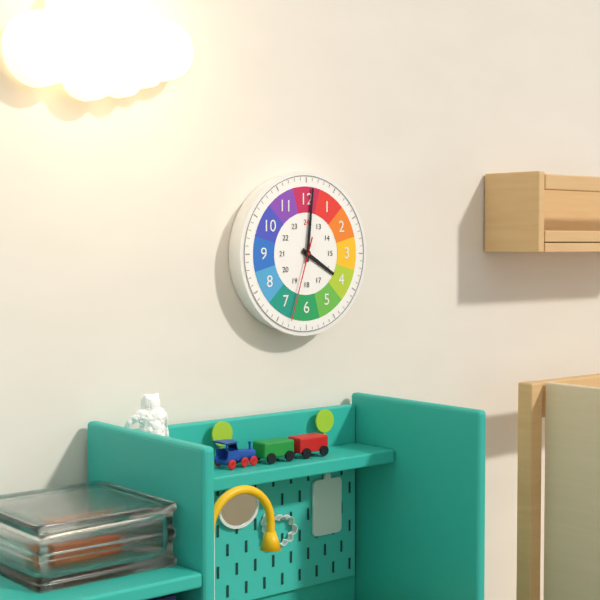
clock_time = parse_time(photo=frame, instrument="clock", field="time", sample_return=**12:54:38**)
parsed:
**4:01:33**
